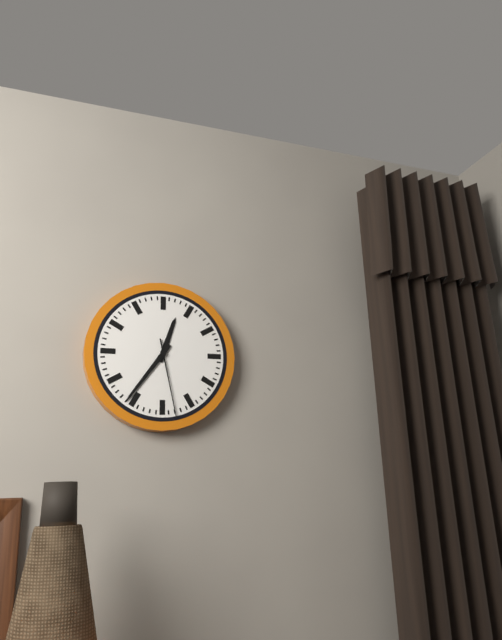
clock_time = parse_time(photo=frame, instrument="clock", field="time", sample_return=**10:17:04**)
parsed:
**12:36:28**
